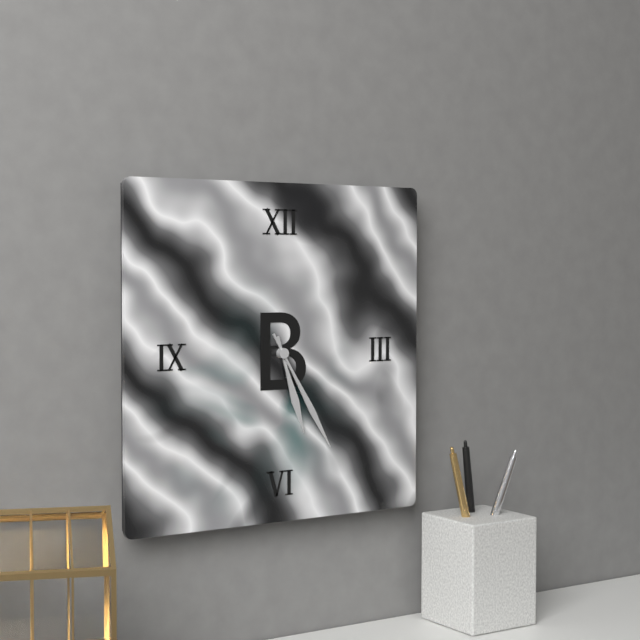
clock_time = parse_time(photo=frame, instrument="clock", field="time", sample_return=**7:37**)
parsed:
**5:25**
